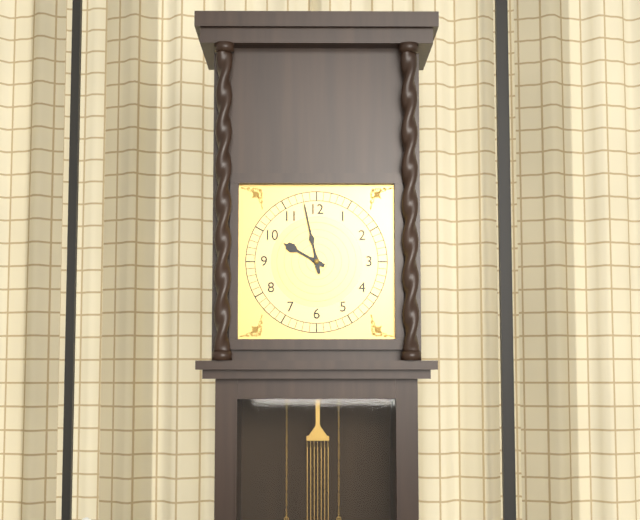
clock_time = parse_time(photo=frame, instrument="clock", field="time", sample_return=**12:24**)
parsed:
**9:58**
